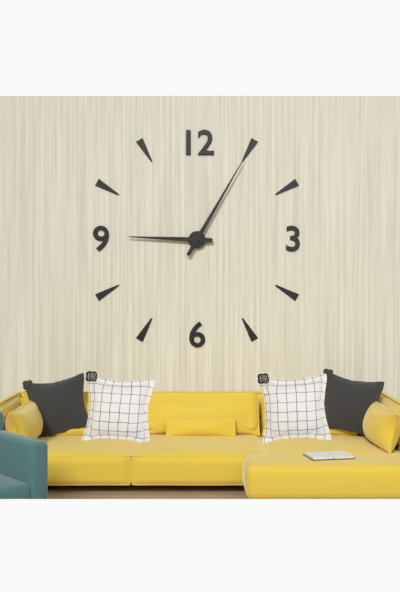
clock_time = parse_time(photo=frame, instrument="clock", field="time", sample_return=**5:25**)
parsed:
**9:05**
